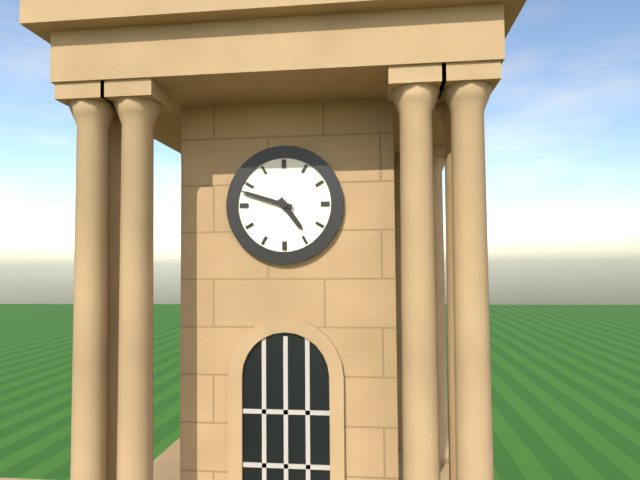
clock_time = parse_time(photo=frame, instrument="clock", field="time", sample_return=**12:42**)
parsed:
**4:48**
